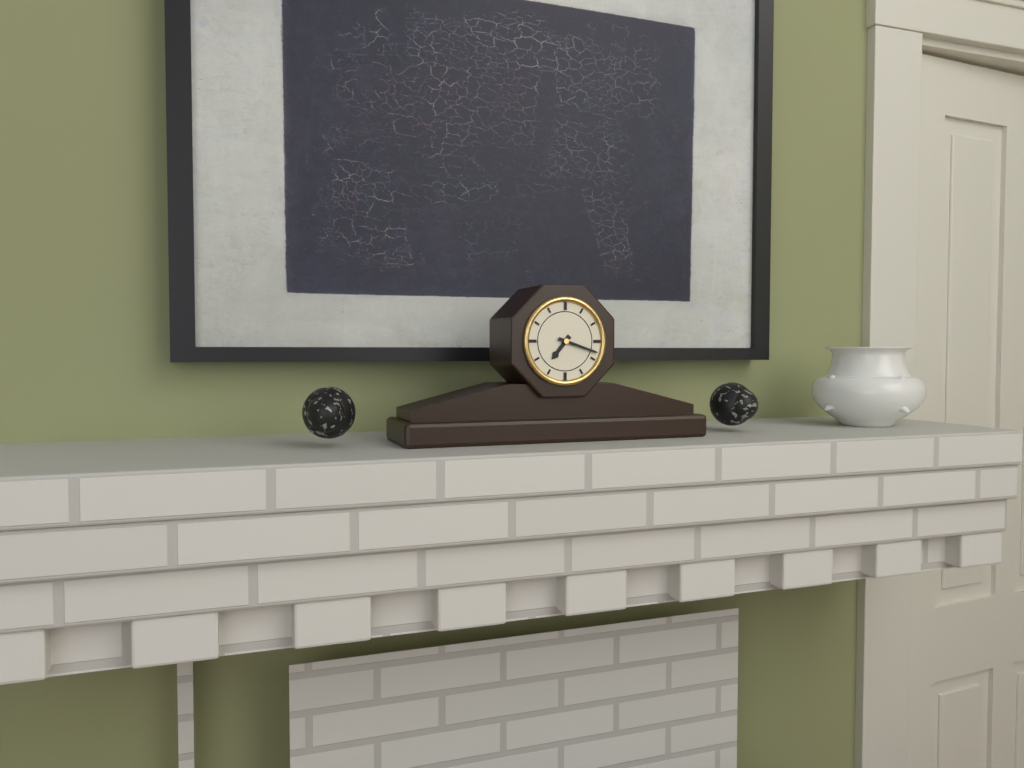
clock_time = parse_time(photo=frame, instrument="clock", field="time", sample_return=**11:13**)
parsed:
**7:18**
